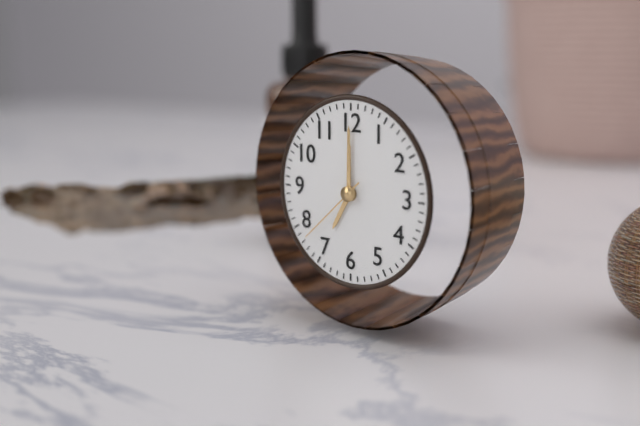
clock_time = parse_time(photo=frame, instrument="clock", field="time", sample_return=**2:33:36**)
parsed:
**7:00:38**
